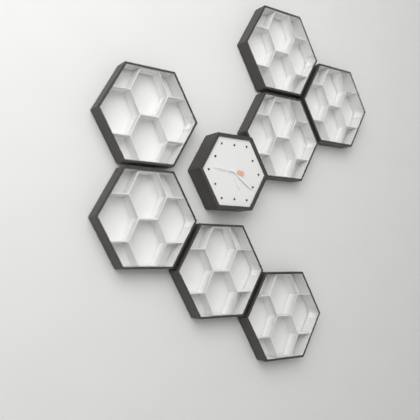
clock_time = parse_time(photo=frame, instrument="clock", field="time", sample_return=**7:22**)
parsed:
**5:21**
